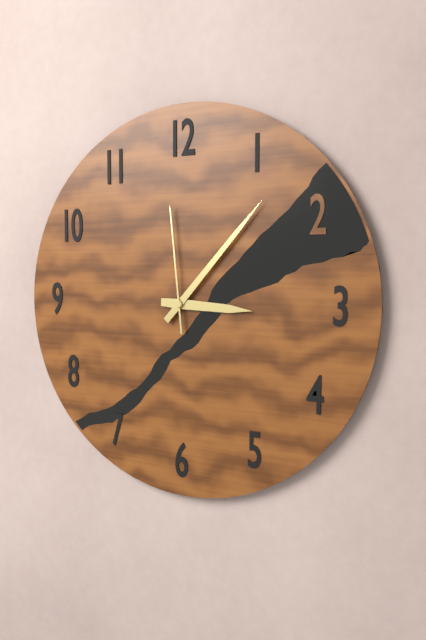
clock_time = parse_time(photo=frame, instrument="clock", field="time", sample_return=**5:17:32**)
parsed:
**3:07:59**
